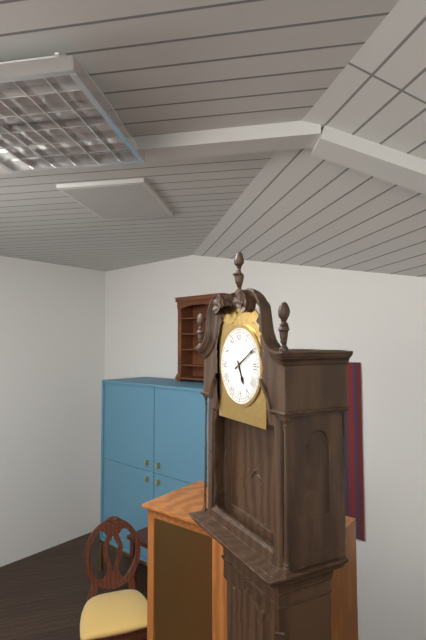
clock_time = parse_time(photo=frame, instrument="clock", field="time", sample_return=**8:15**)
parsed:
**5:10**
